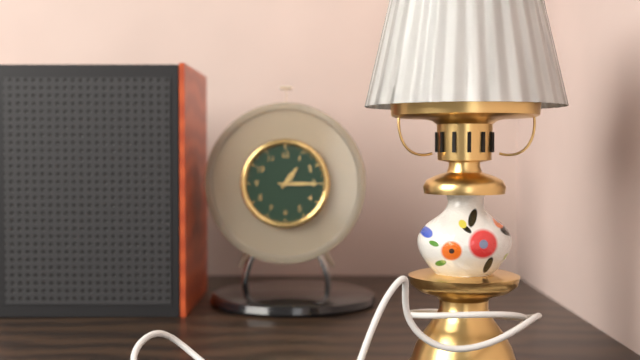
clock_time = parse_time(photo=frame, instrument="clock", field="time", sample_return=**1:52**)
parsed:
**1:15**
